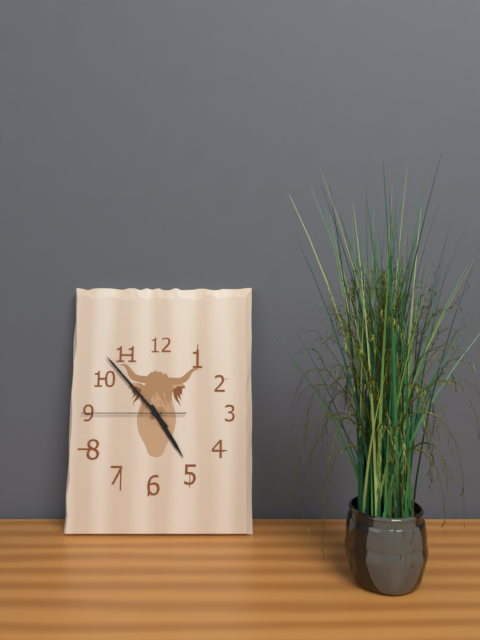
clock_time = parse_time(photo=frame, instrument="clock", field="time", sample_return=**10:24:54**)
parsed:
**4:53:45**
